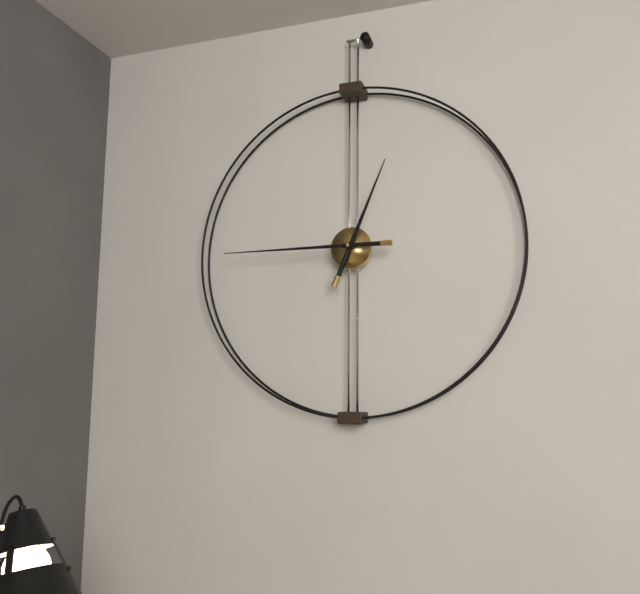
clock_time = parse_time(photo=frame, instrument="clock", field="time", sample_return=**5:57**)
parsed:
**12:45**
